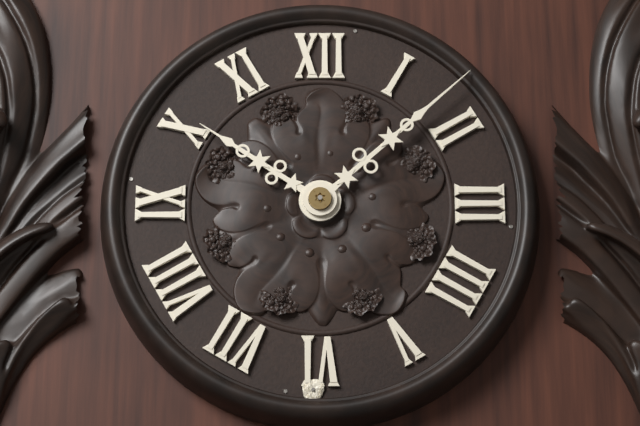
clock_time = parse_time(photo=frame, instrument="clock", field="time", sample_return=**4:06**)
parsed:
**10:08**
